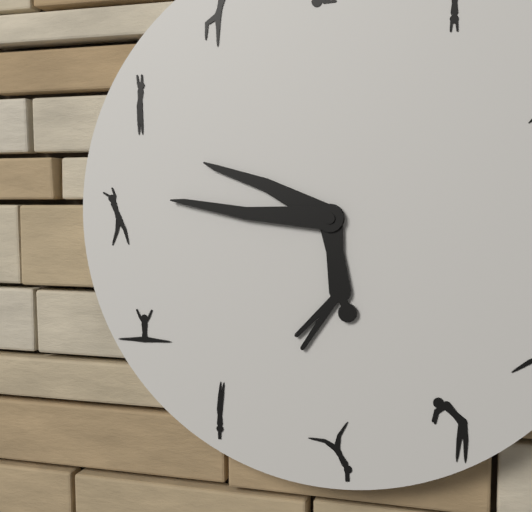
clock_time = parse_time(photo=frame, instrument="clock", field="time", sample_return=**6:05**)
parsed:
**9:46**
